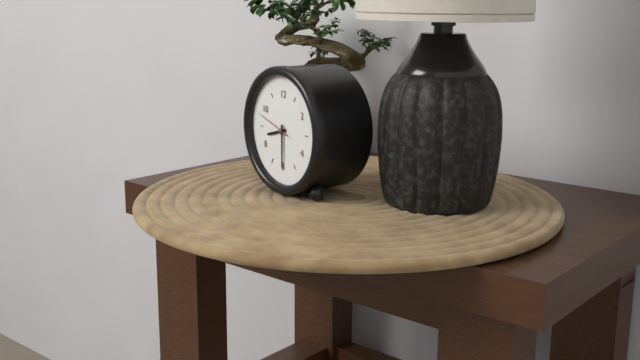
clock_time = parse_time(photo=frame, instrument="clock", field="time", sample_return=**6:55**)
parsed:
**8:30**
